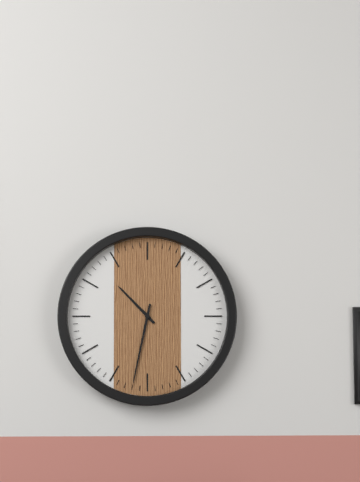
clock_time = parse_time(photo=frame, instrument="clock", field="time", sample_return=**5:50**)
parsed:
**10:32**
